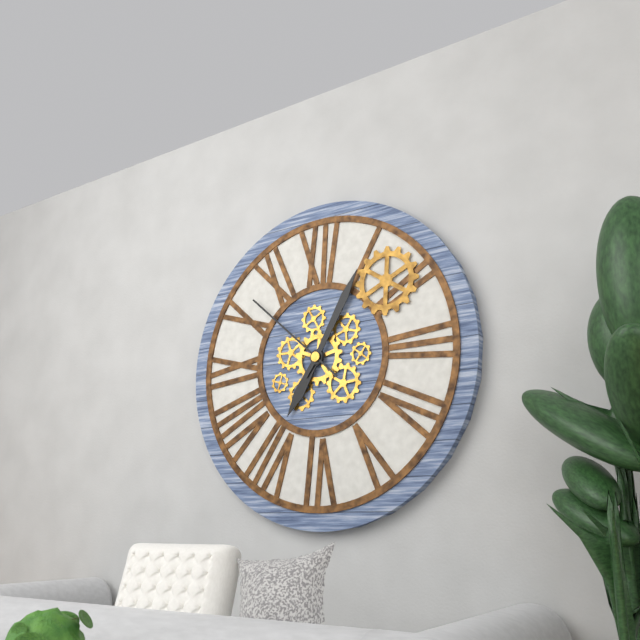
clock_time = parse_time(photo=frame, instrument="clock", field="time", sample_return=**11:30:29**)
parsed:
**7:05:52**
